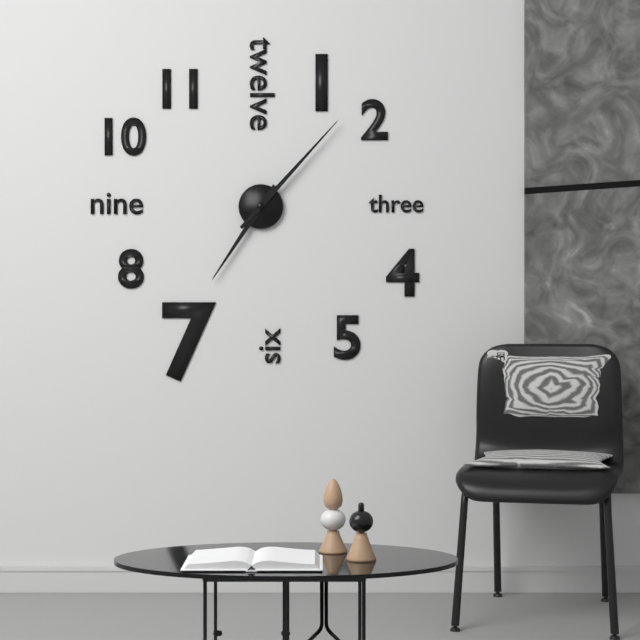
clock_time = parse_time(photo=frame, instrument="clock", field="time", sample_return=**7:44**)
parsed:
**7:07**
